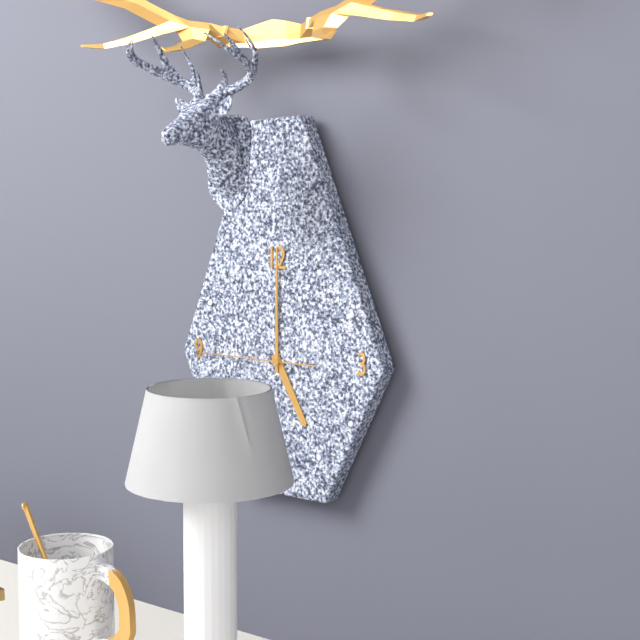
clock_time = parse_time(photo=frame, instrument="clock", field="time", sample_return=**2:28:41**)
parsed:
**5:00:45**
